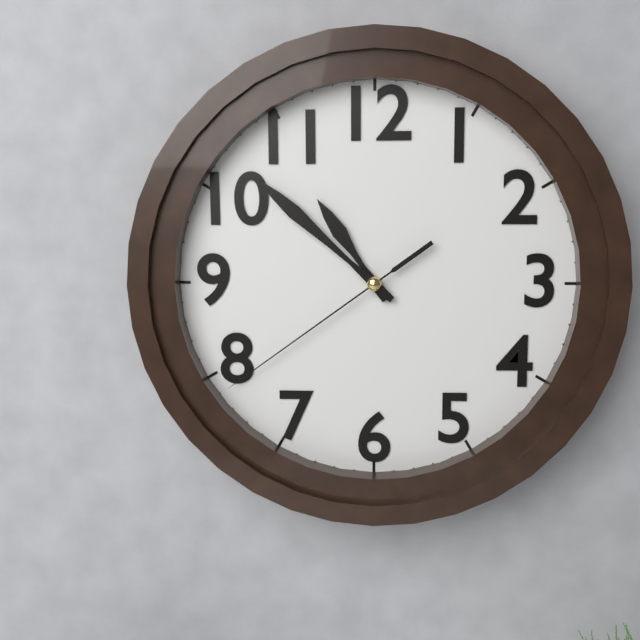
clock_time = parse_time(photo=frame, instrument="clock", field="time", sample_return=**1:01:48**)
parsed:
**10:52:39**
